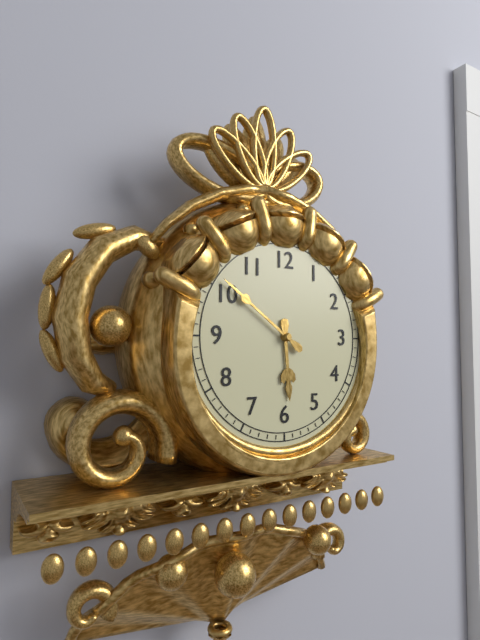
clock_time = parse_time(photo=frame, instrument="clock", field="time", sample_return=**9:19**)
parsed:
**5:51**
